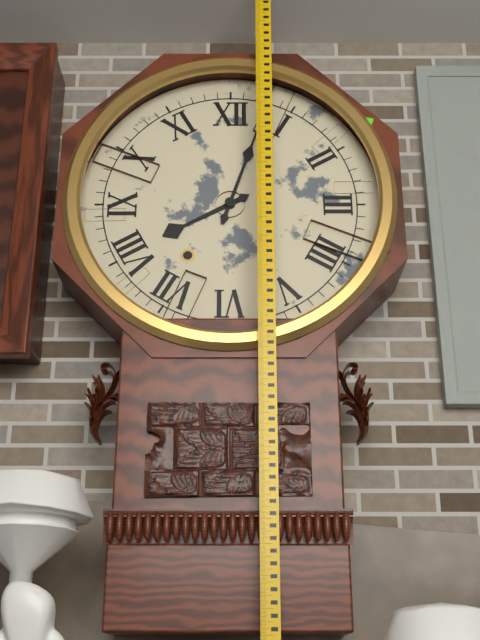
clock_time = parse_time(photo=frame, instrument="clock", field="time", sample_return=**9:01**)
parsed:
**8:03**
